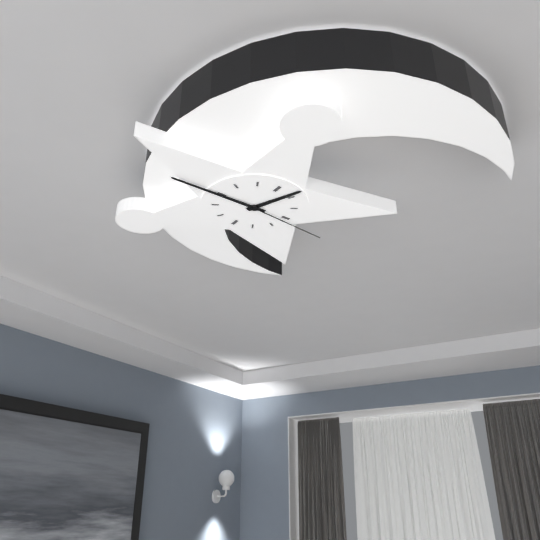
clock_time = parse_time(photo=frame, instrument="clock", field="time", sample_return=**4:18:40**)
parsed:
**12:45:16**
